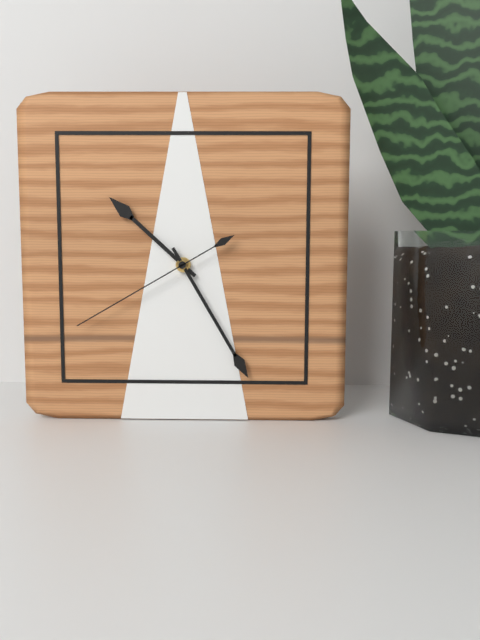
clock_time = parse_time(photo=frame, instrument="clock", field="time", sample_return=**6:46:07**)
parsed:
**10:25:40**
